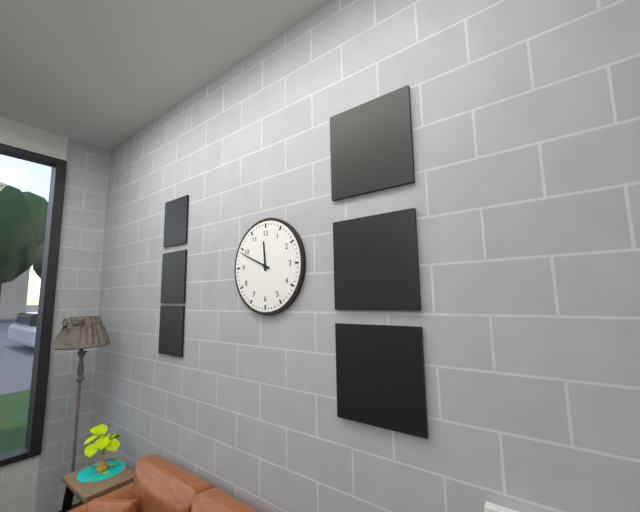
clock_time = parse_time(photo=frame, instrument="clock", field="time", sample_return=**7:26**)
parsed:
**11:49**
